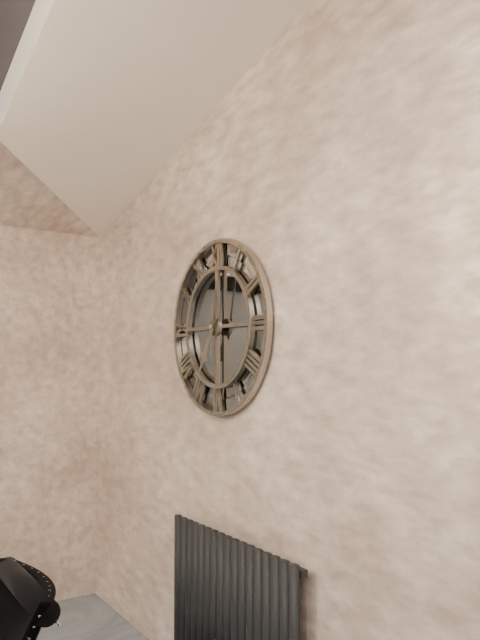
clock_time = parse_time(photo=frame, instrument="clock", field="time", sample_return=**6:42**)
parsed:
**7:02**
